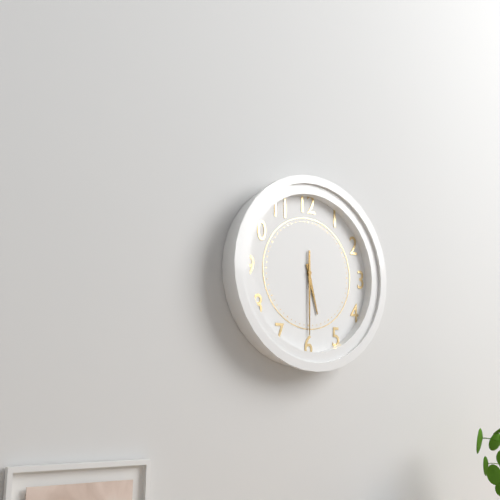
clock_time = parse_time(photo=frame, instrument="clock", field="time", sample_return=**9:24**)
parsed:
**5:30**
